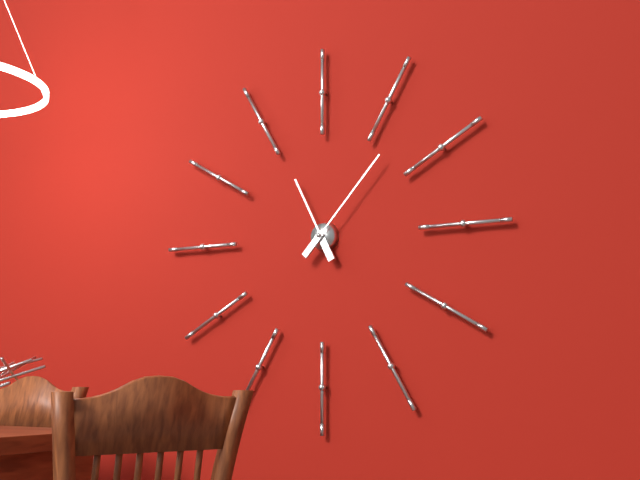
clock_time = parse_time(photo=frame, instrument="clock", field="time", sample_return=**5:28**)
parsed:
**11:07**
